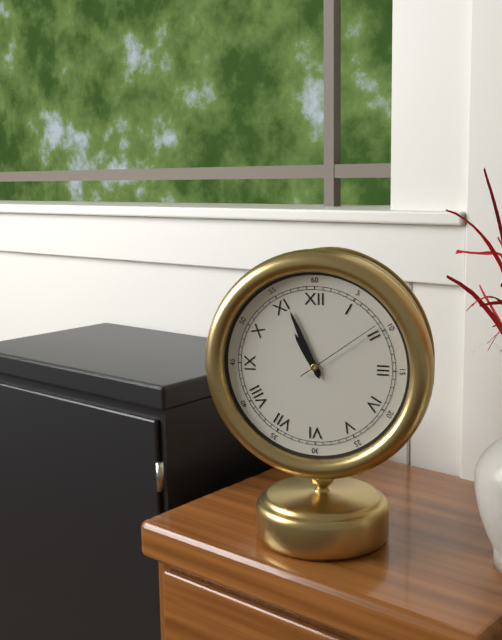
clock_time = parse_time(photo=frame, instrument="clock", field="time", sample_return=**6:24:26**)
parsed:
**10:56:09**
